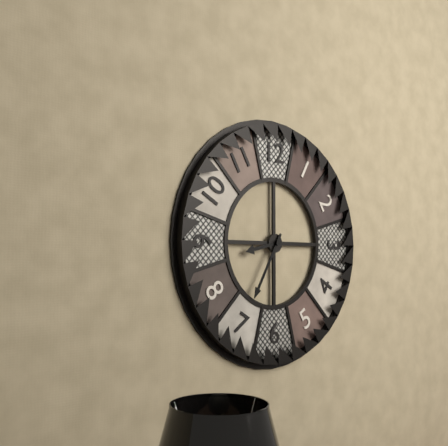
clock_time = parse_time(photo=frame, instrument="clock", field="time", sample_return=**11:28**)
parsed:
**8:35**
